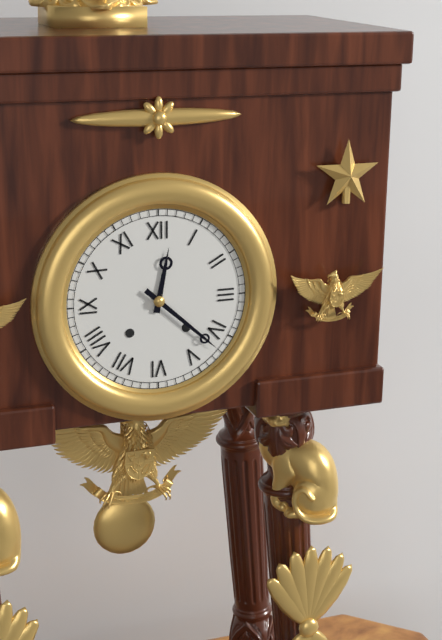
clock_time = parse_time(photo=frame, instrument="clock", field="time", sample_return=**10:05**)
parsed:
**12:22**
